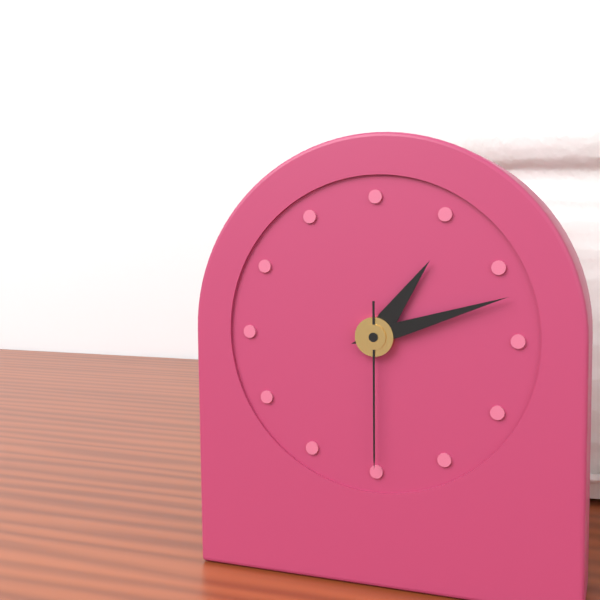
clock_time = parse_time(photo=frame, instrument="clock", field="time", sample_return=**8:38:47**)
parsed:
**1:12:30**
